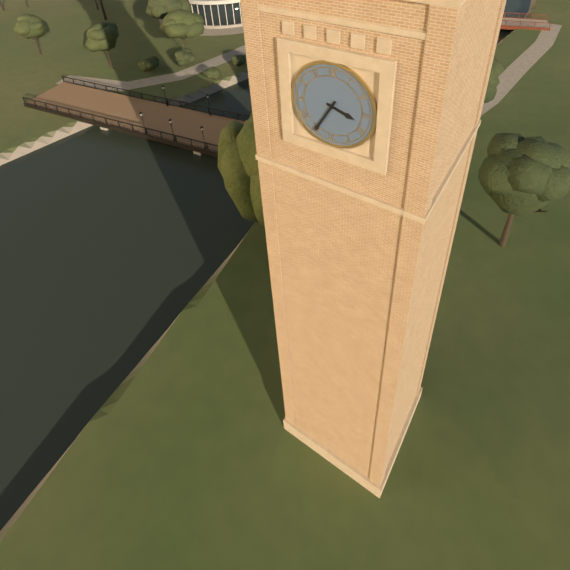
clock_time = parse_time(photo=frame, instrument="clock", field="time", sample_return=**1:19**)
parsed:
**3:35**
